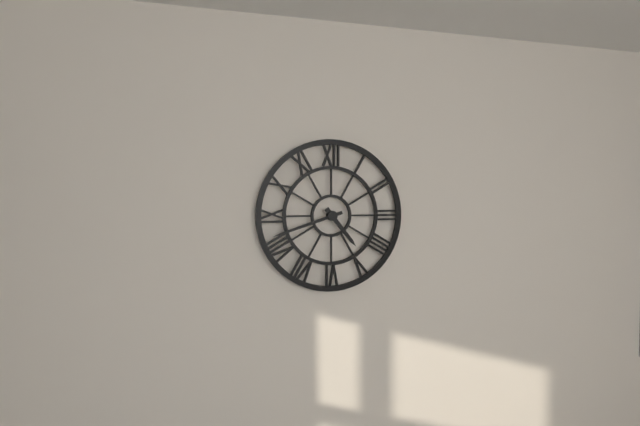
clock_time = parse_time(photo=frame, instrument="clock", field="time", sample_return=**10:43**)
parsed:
**4:42**
